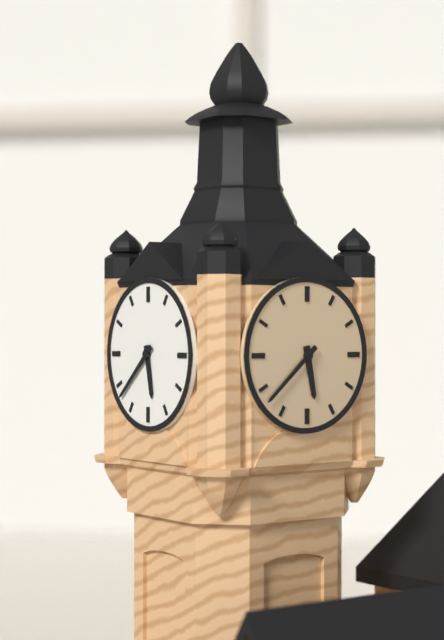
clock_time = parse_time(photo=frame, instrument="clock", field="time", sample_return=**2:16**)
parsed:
**5:38**
